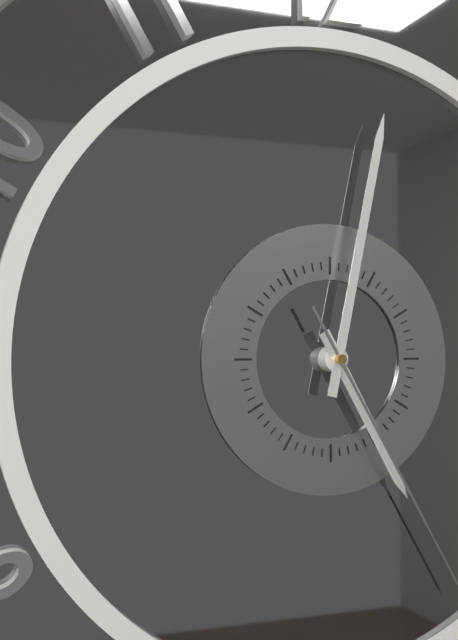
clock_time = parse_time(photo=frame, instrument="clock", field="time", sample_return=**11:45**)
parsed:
**5:02**
